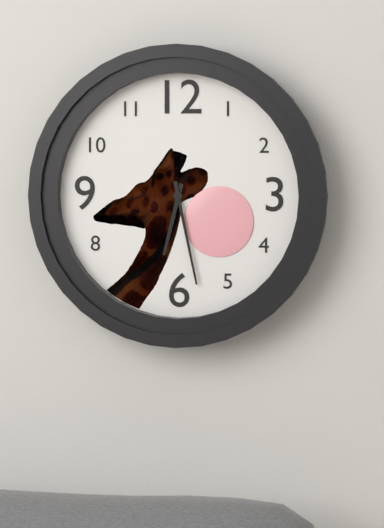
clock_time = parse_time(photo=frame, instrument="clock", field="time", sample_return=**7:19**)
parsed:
**6:28**
